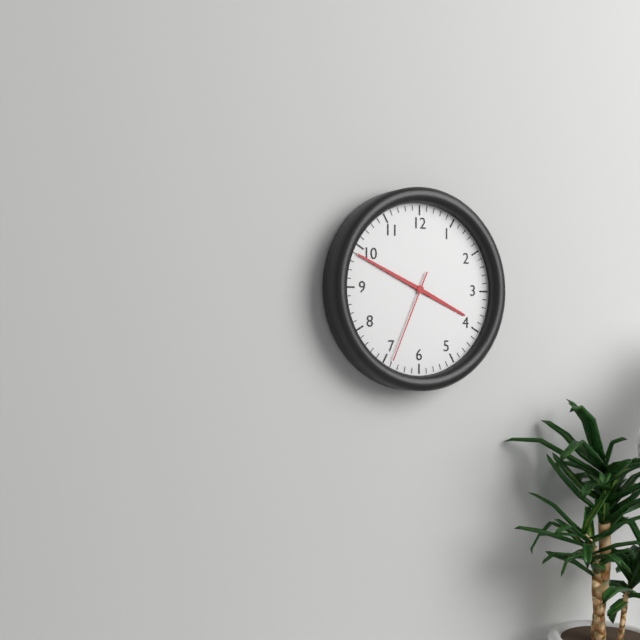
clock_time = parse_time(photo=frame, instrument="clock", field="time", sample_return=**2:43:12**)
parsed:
**3:49:34**
